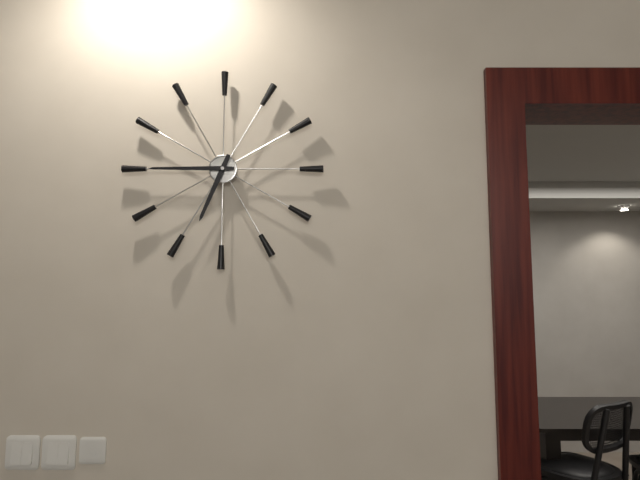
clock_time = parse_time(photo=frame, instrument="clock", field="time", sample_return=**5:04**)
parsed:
**6:45**
